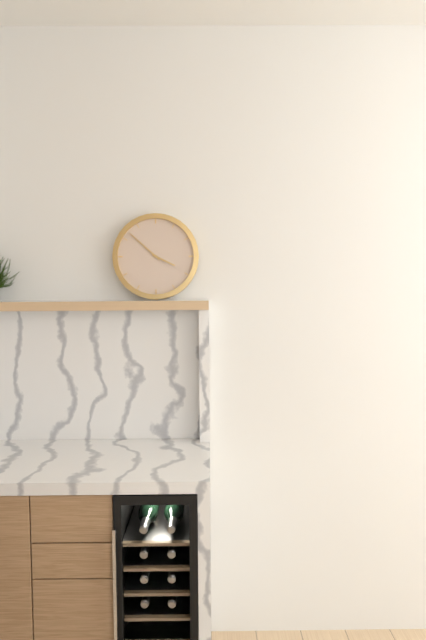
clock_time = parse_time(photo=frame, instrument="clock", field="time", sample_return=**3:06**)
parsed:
**3:52**
